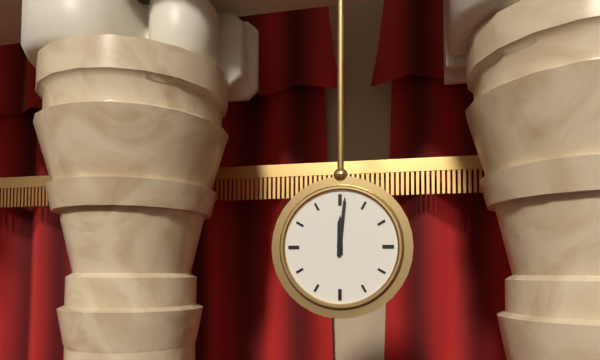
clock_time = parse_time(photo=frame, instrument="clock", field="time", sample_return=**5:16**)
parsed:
**12:01**
